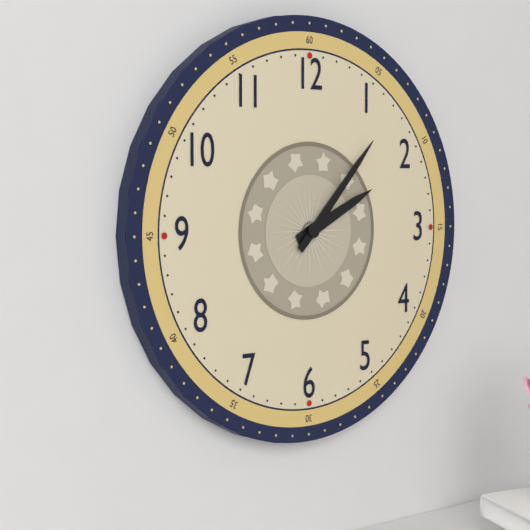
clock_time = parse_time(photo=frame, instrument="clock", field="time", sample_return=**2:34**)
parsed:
**2:07**
